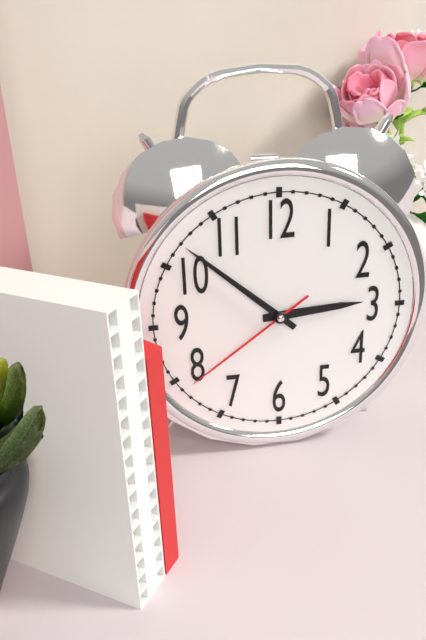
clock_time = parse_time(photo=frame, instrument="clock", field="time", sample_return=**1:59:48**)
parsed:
**2:52:39**
